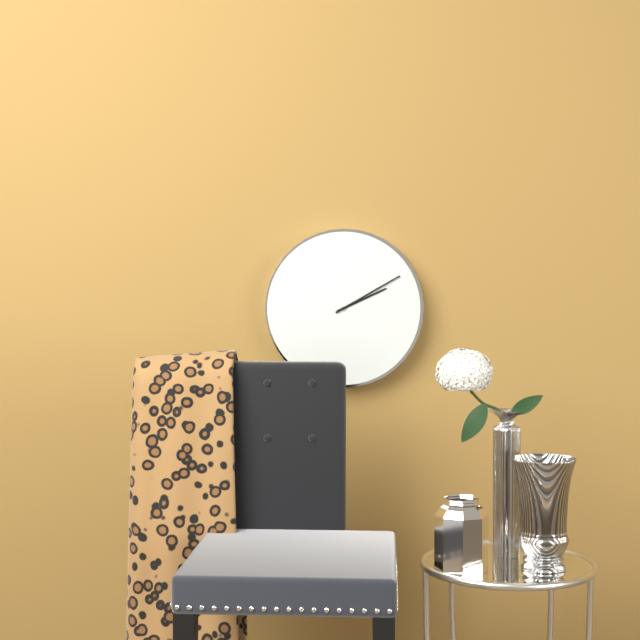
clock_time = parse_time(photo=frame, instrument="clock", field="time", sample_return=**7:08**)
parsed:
**2:10**
